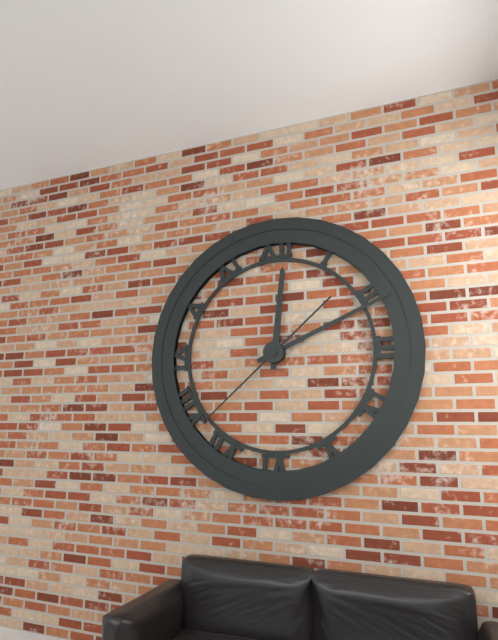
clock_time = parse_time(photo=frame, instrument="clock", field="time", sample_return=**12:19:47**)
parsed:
**12:11:38**
